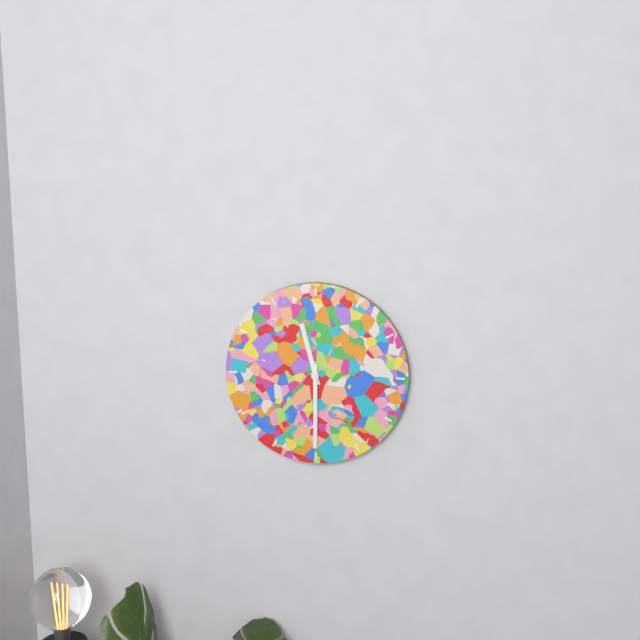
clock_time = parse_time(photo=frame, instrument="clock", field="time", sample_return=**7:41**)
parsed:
**11:30**
